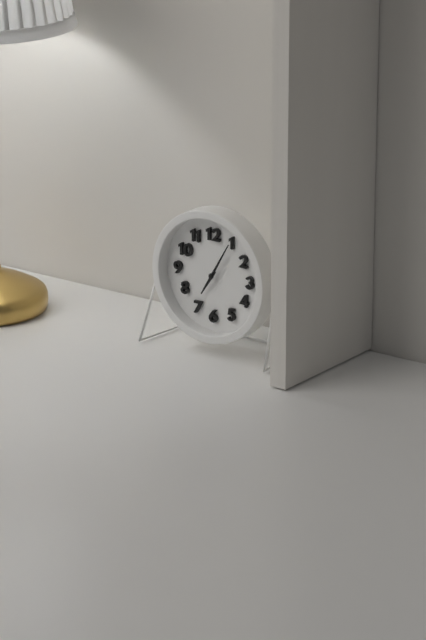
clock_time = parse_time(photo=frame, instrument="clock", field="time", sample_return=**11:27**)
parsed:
**7:05**
